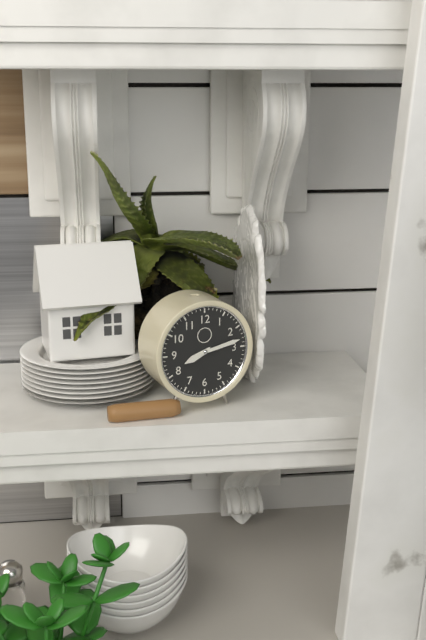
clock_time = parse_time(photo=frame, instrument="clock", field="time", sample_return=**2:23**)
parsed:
**8:13**
